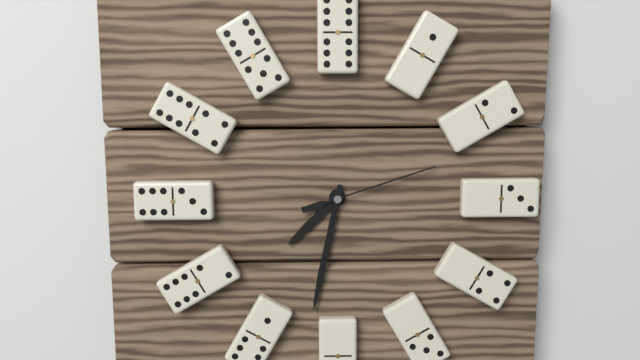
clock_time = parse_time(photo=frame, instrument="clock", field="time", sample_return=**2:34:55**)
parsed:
**7:32:12**
